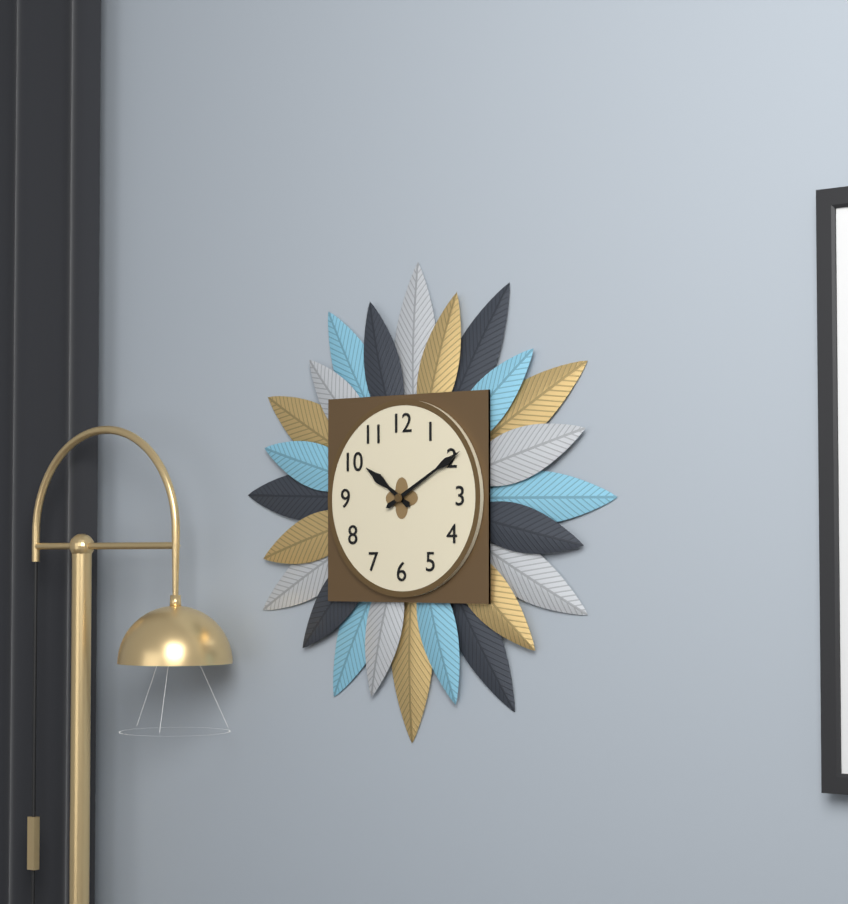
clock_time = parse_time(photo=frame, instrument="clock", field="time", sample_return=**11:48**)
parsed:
**10:10**
